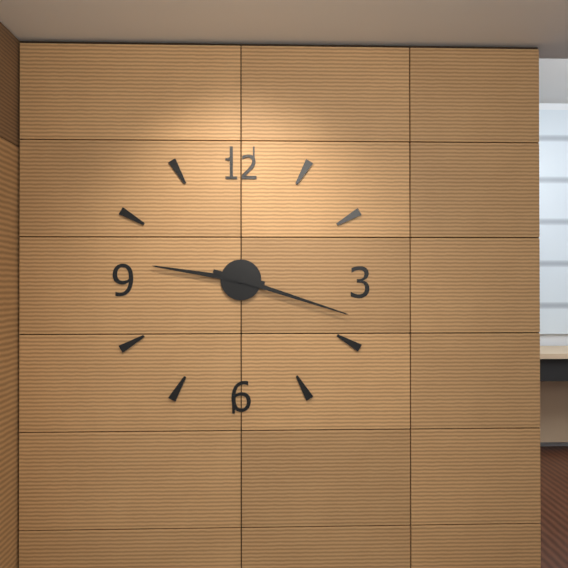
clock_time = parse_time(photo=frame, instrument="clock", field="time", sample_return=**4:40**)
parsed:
**9:18**
